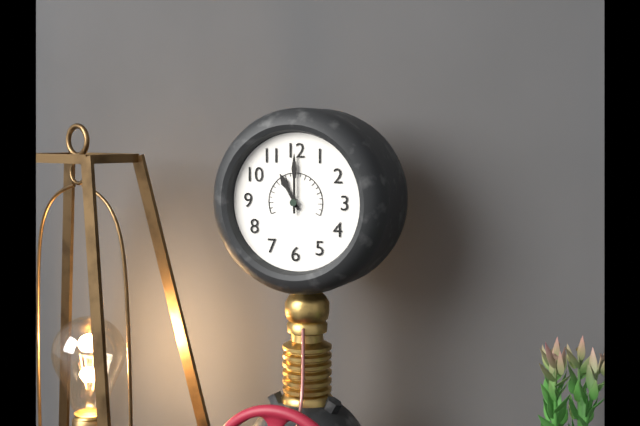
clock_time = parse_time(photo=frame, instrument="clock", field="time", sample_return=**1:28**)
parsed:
**11:00**
